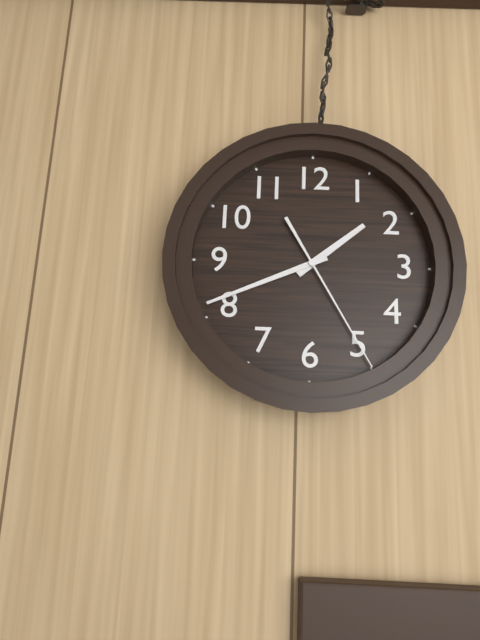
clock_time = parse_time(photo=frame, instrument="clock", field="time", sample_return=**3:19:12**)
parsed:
**1:41:25**
